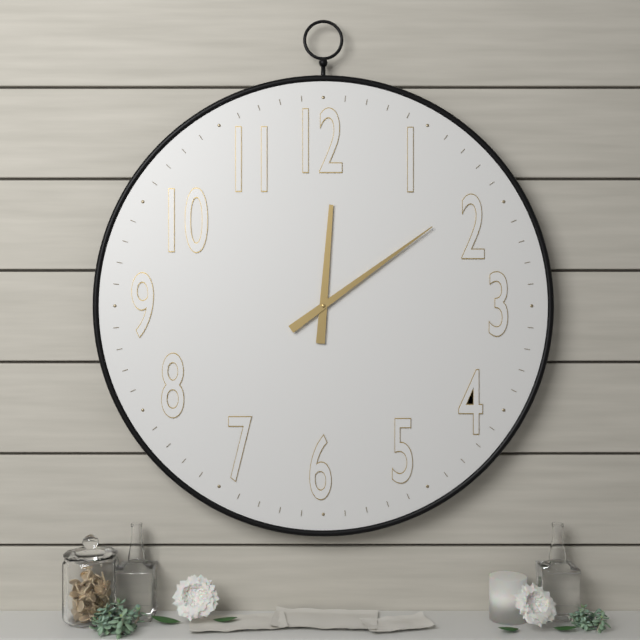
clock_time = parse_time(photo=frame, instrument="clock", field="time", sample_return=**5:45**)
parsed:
**12:09**
